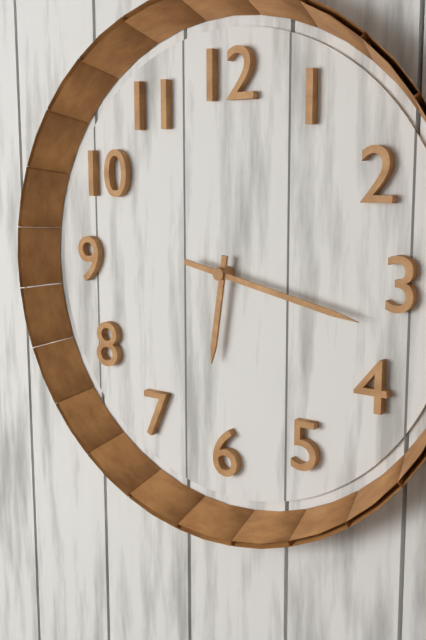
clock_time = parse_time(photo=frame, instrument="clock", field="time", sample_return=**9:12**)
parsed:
**6:17**
